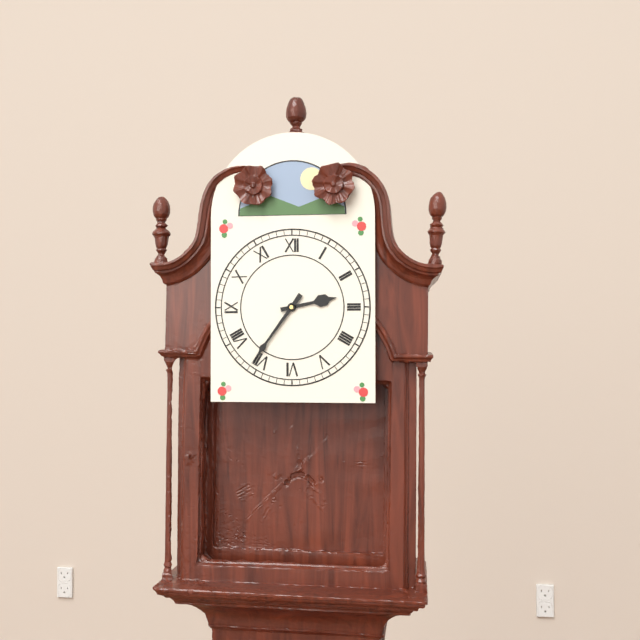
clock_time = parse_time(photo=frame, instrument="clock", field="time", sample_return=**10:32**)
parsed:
**2:36**
